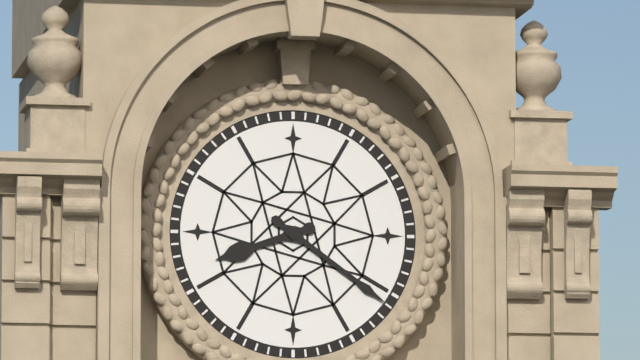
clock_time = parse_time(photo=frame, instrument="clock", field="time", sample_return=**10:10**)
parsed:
**8:21**
